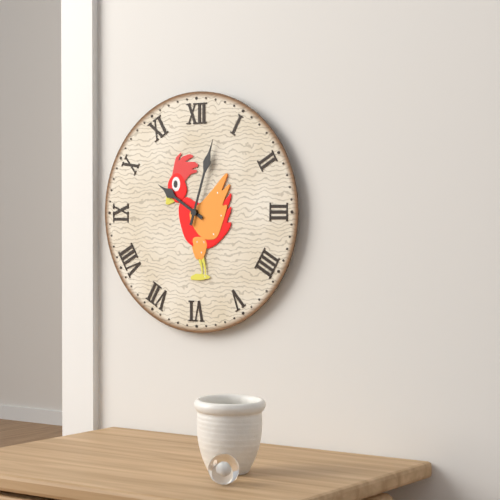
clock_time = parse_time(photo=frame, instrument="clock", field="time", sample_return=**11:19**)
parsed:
**10:03**
